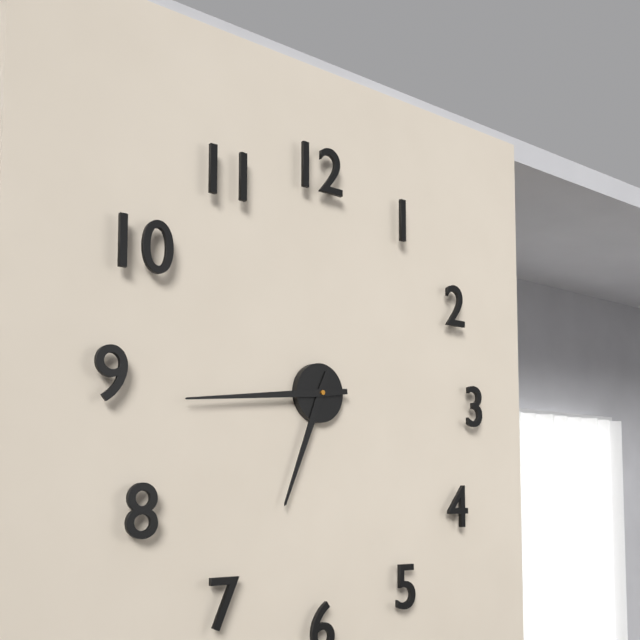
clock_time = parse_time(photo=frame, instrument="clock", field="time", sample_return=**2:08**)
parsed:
**6:44**
